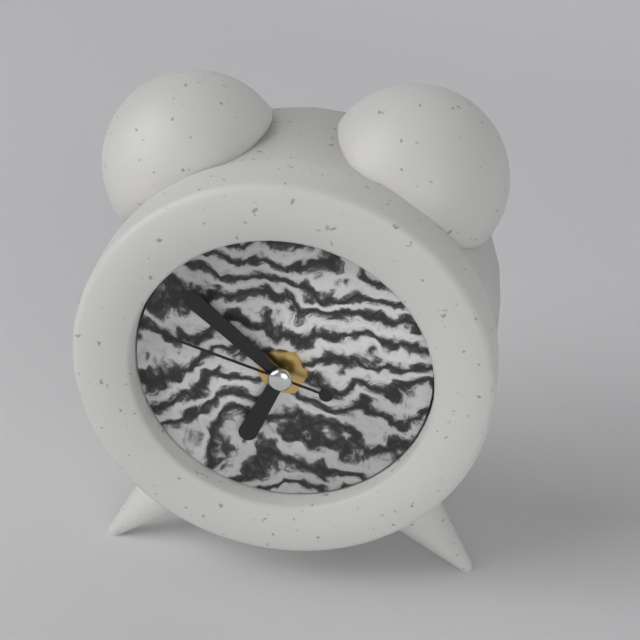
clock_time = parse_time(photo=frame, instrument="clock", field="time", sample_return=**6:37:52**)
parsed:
**6:52:48**
